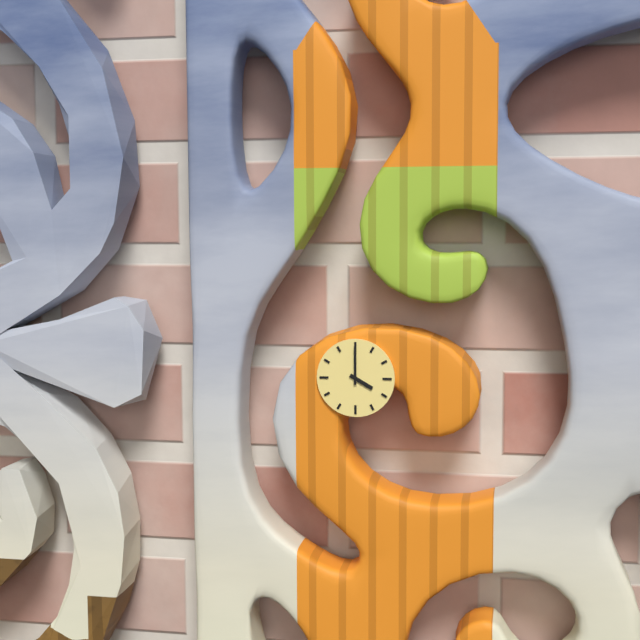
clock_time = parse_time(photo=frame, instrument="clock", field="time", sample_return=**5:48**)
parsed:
**4:00**
